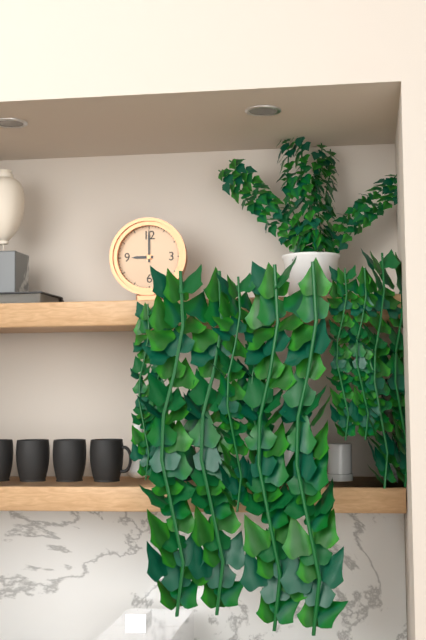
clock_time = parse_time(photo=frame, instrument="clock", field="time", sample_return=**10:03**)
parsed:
**9:00**
